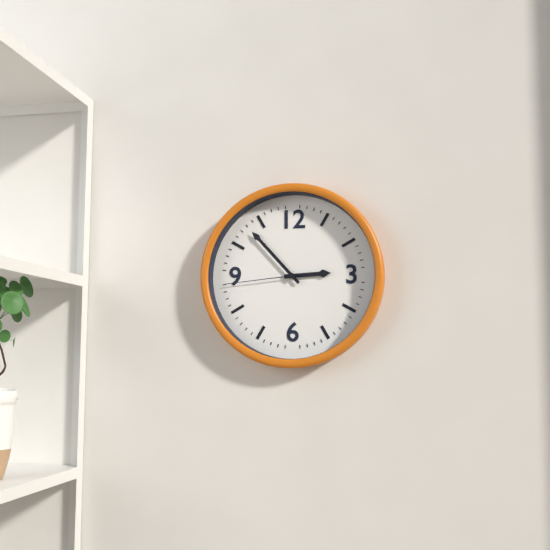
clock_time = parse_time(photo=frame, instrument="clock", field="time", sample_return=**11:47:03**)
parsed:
**2:53:44**
